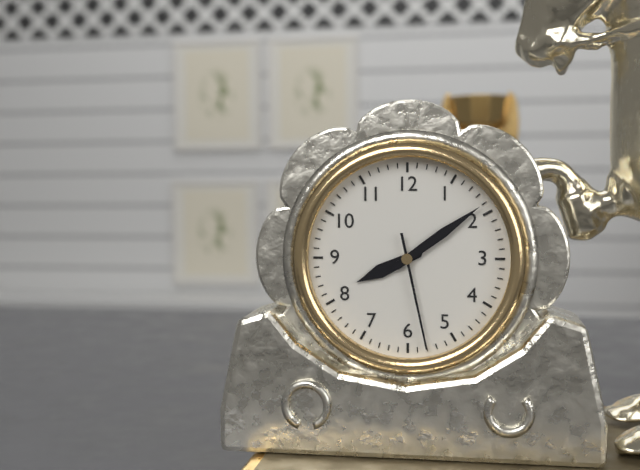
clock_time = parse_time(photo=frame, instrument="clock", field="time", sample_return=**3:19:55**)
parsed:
**8:09:28**
